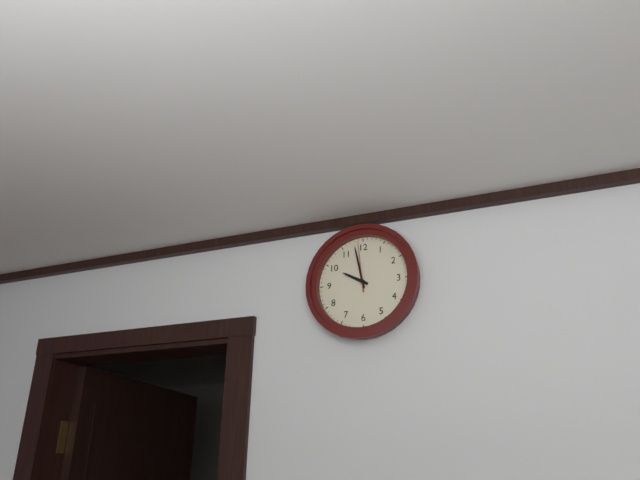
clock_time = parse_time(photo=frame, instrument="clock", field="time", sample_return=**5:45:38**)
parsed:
**9:58:59**
